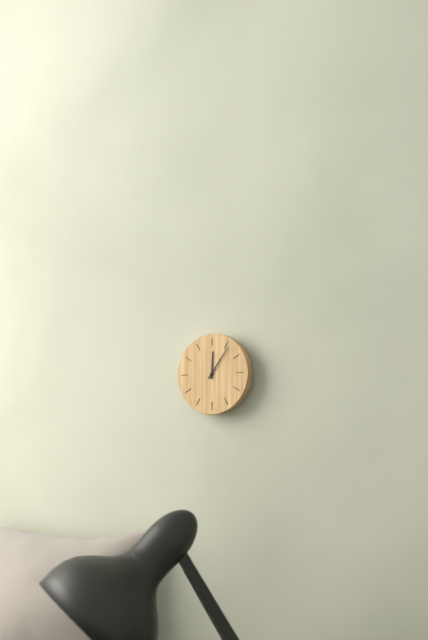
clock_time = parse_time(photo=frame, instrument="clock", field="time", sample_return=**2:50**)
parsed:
**12:06**
